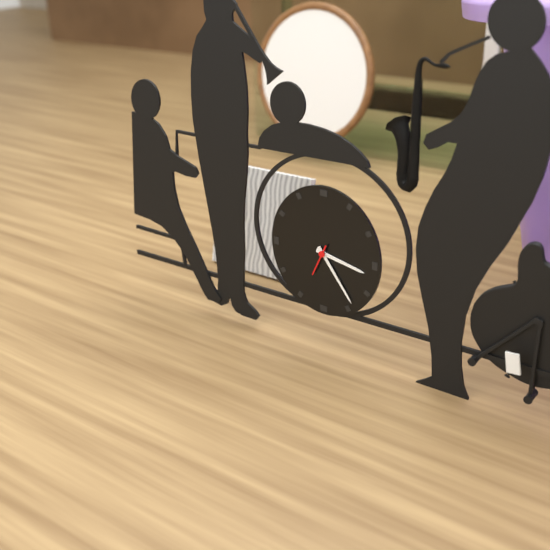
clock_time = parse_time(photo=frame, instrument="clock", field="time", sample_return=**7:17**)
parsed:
**3:24**
